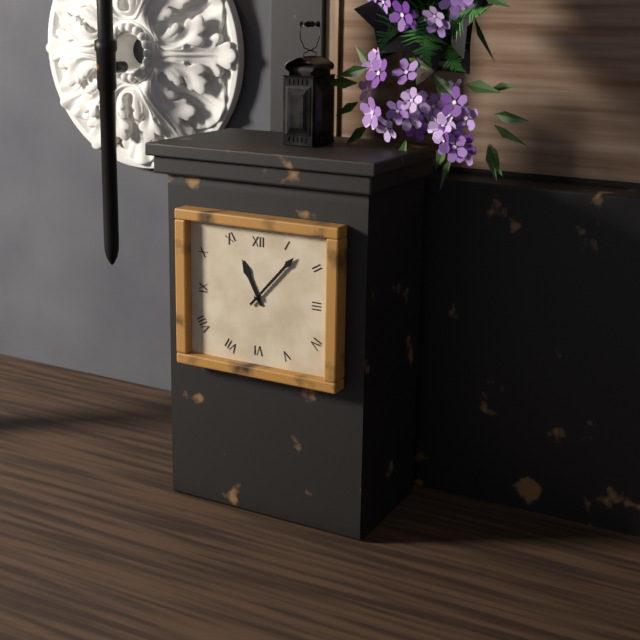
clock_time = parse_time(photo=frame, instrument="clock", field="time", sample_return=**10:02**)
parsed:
**11:07**
